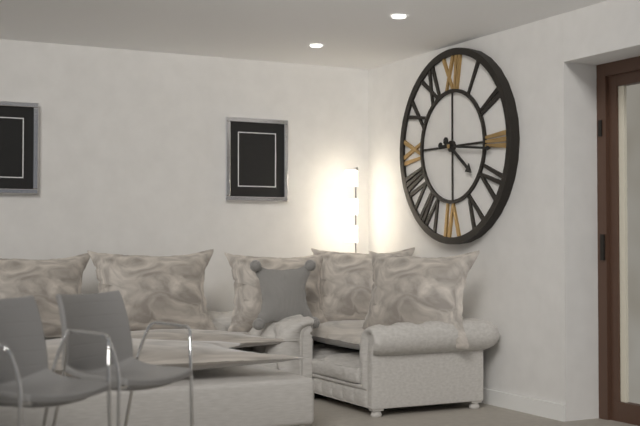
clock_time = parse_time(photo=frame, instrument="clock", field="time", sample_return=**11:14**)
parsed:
**4:16**
